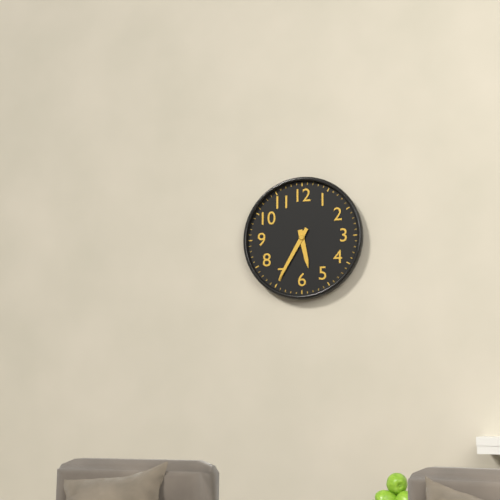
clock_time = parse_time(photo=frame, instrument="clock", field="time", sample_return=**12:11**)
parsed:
**5:35**
